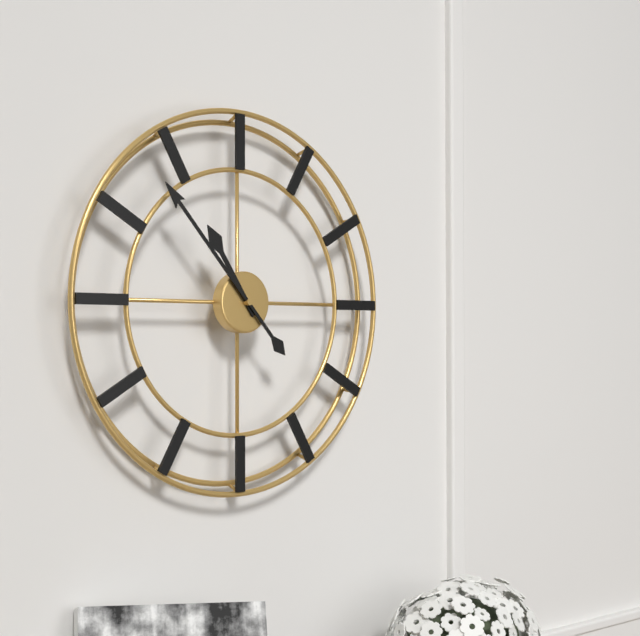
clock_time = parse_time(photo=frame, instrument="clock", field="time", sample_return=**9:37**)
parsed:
**10:53**
